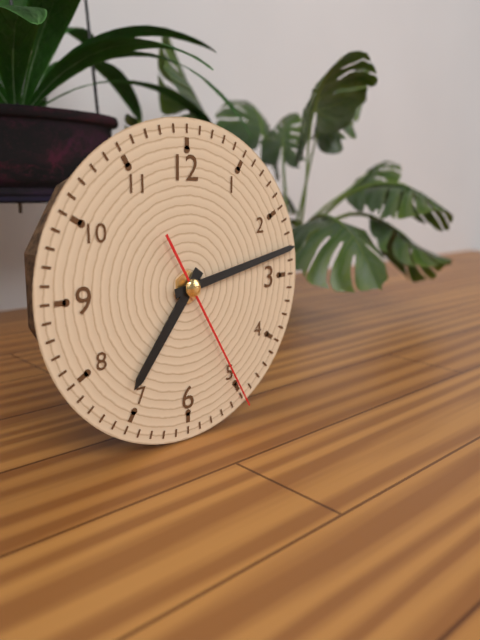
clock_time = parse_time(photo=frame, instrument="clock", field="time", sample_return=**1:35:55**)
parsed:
**7:13:25**
